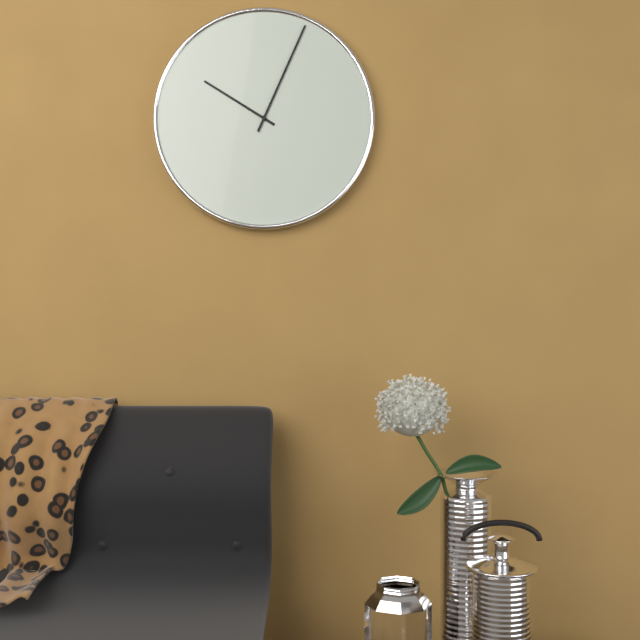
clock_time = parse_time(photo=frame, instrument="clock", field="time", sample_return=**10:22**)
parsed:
**10:04**
